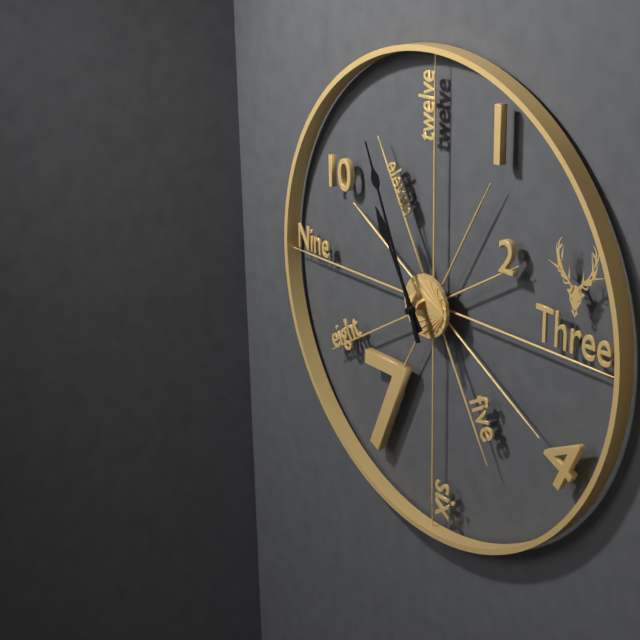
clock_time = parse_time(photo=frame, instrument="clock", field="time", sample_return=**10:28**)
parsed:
**10:56**
